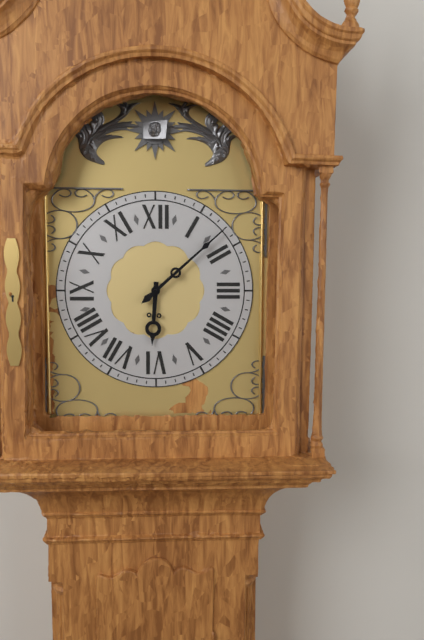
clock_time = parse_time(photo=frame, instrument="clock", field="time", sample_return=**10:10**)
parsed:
**6:08**
